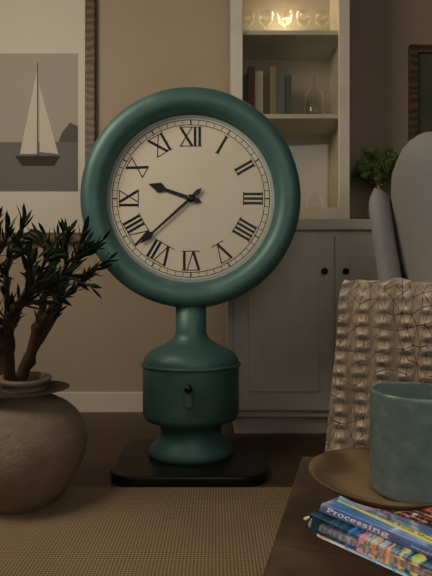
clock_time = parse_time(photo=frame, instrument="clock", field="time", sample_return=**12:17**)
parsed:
**9:38**
